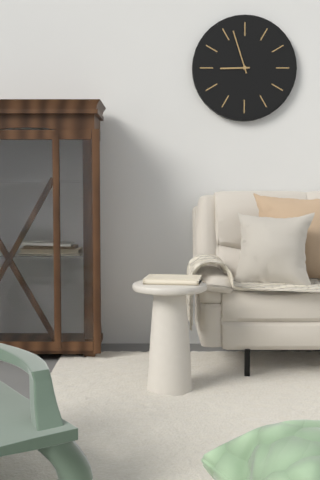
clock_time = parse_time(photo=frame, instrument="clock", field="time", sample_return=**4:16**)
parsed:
**8:57**
